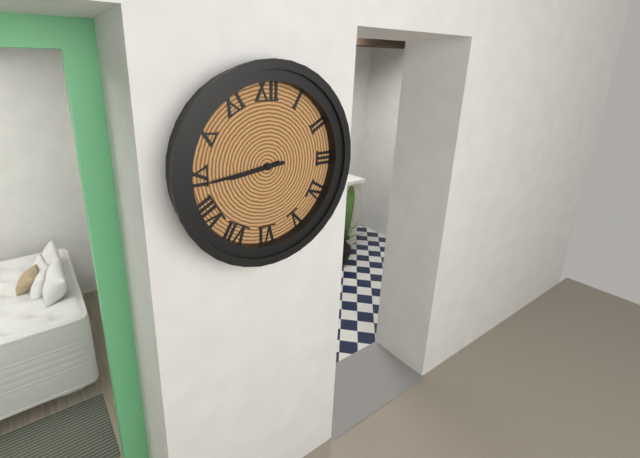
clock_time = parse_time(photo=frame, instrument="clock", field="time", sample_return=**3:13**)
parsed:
**8:44**
